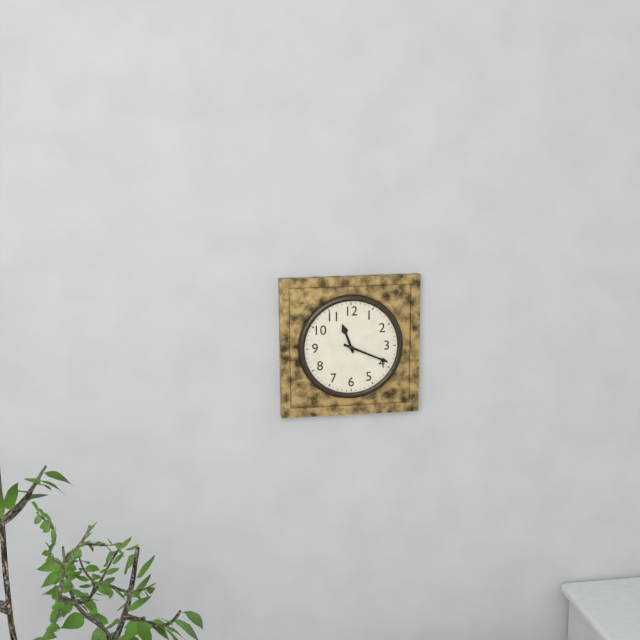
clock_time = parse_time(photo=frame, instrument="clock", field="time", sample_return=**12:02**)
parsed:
**11:19**
